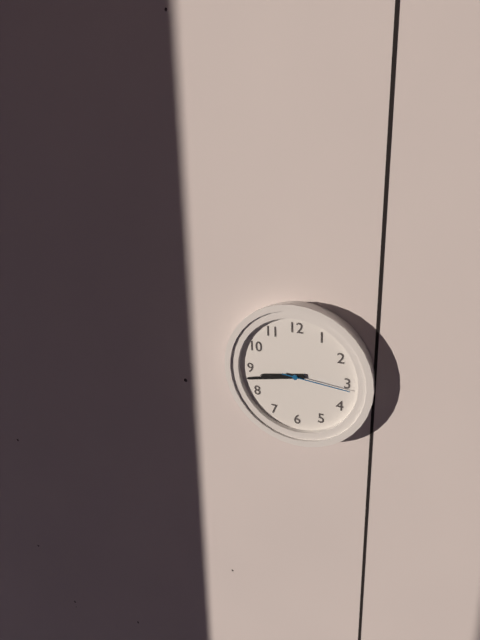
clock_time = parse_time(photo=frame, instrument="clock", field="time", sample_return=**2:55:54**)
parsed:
**8:43:16**
